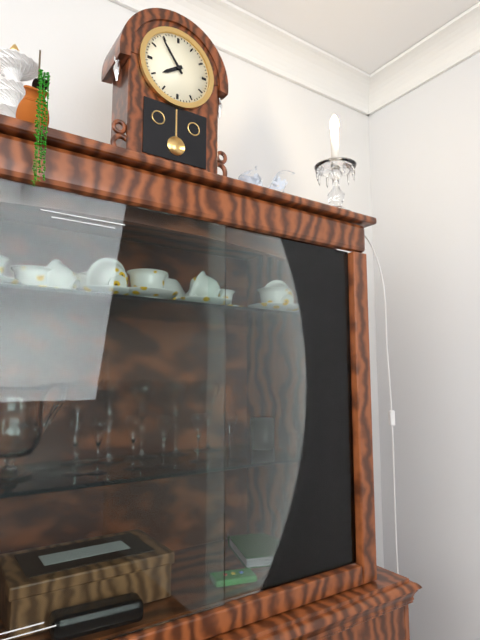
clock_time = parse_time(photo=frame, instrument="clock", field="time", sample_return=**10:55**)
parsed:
**7:54**
